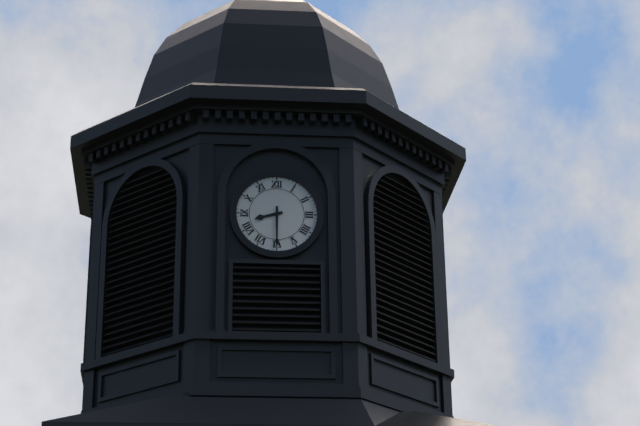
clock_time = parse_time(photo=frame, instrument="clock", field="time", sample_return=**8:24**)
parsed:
**8:30**
